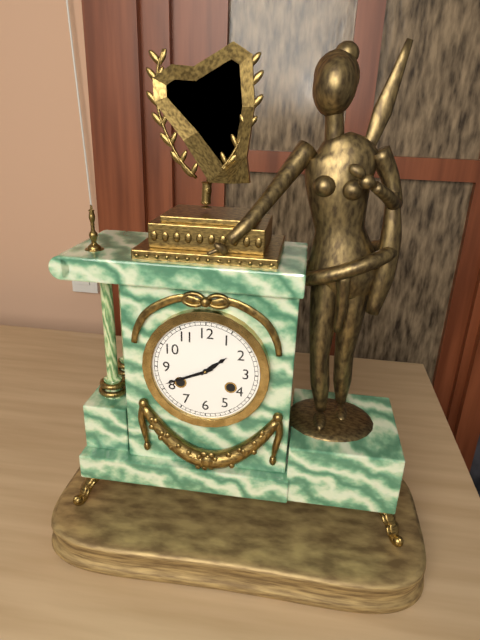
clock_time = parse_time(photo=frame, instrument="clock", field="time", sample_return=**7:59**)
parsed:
**1:41**
